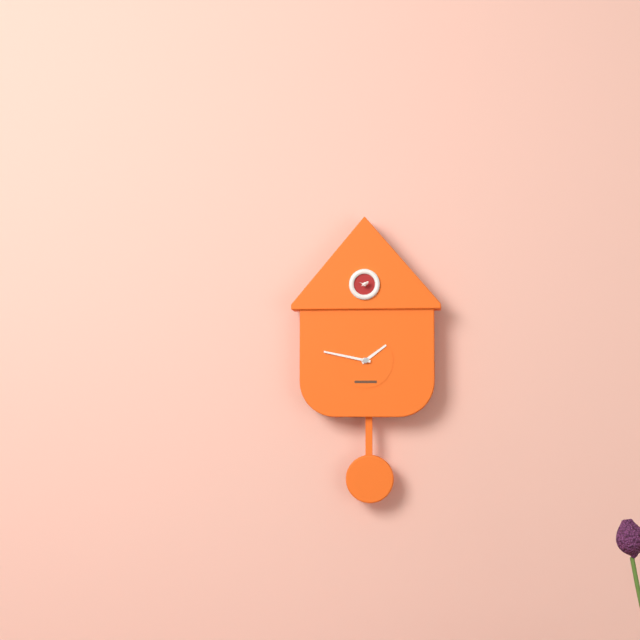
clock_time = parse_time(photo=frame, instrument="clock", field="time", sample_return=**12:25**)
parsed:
**1:47**
